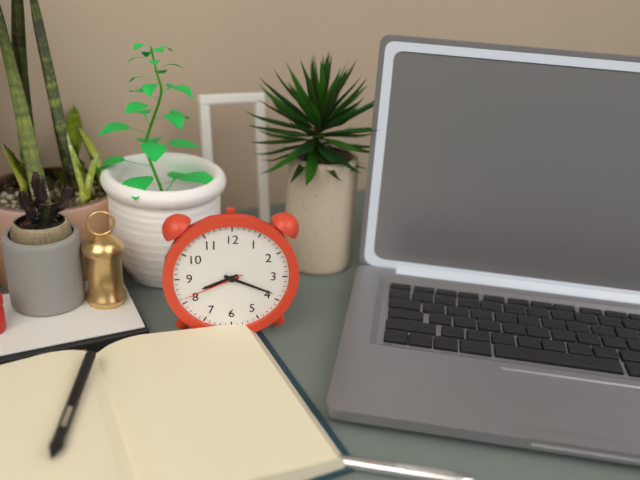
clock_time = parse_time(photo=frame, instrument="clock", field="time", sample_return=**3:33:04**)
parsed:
**8:19:41**
